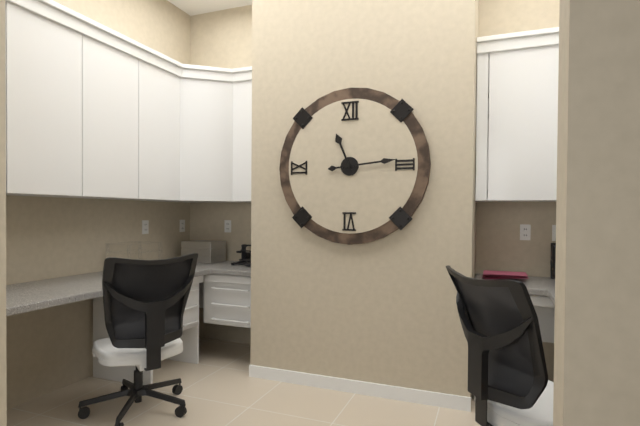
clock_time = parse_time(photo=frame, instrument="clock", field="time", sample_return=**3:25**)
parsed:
**11:14**
